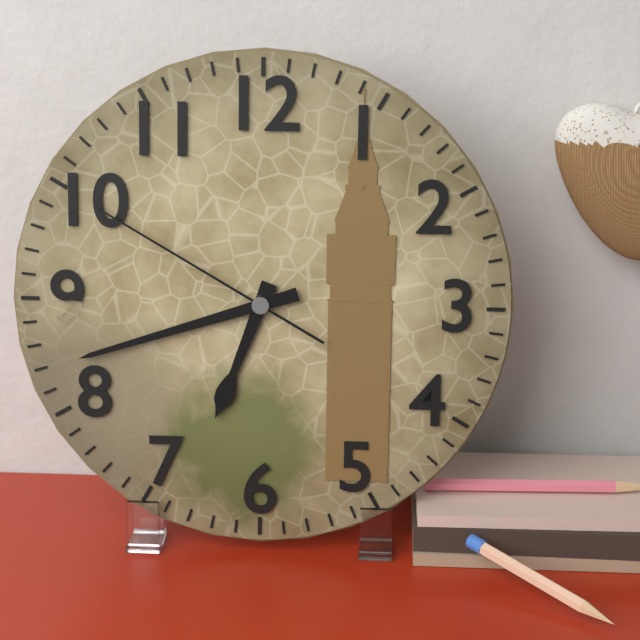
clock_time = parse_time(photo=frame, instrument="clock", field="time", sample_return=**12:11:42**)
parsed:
**6:42:50**
